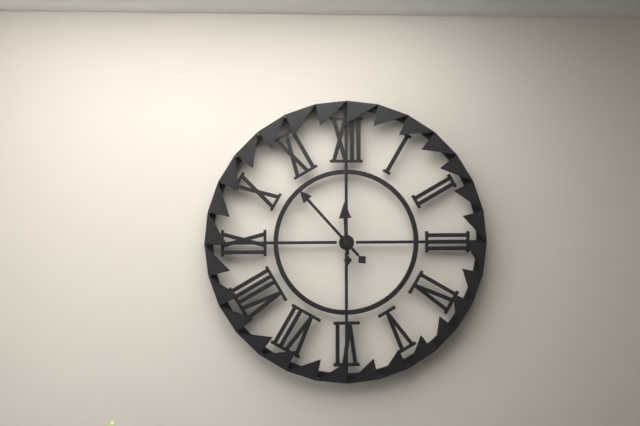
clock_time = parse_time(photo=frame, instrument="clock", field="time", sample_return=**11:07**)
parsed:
**11:53**
